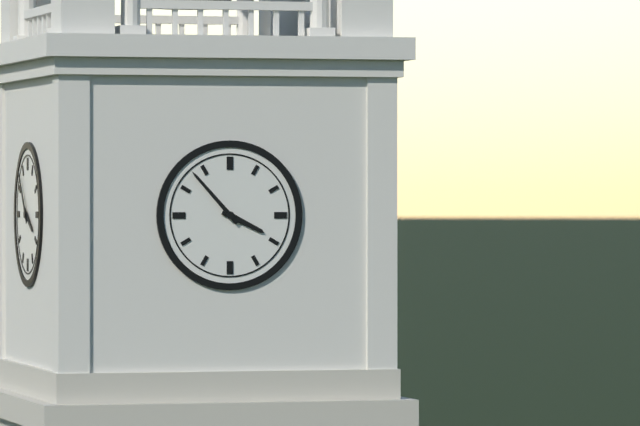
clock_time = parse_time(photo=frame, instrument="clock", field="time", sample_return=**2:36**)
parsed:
**3:53**
